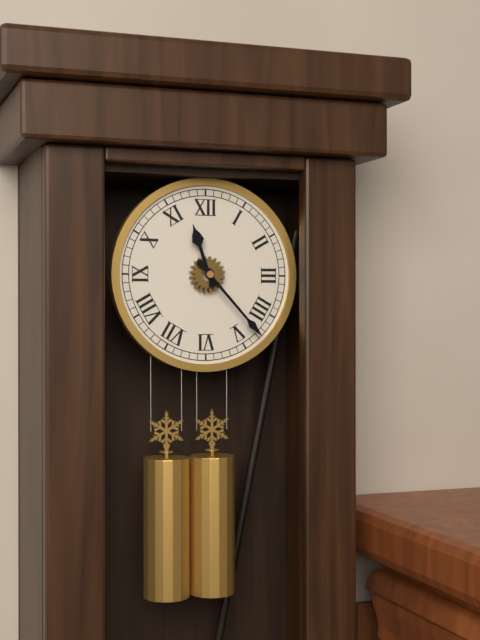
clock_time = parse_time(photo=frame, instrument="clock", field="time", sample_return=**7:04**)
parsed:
**11:23**
